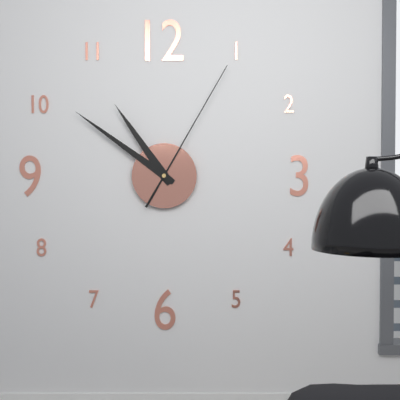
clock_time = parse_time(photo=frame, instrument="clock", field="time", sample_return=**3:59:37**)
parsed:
**10:51:05**
